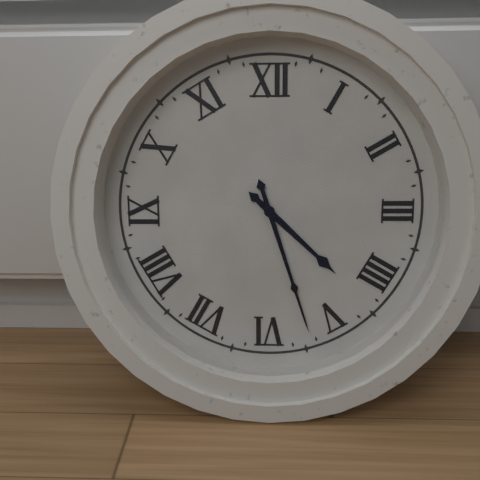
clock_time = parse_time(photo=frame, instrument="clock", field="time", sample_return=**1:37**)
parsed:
**4:27**
